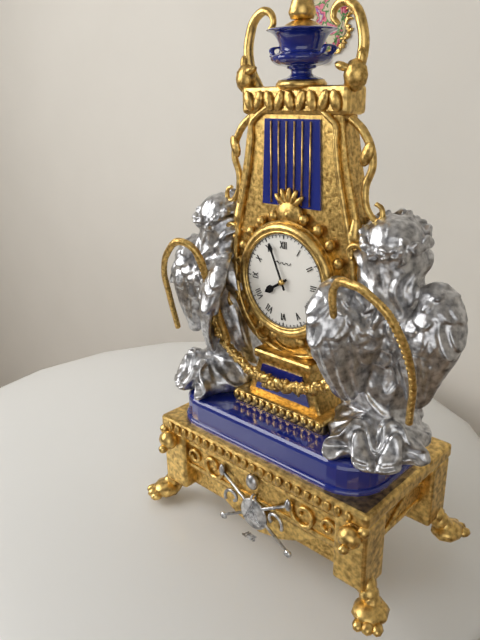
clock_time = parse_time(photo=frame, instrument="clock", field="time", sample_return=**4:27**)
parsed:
**7:56**
